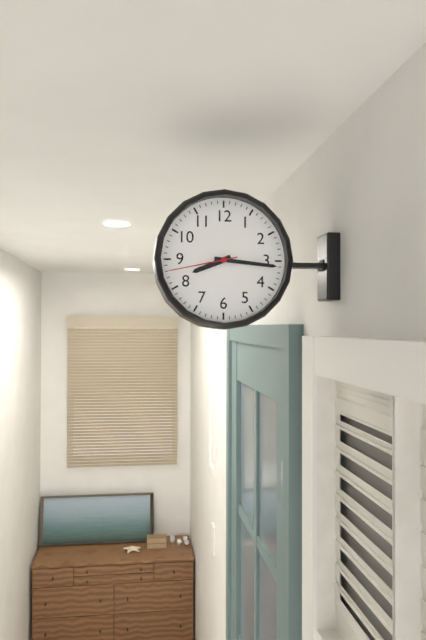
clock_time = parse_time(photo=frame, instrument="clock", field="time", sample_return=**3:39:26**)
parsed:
**8:16:43**
